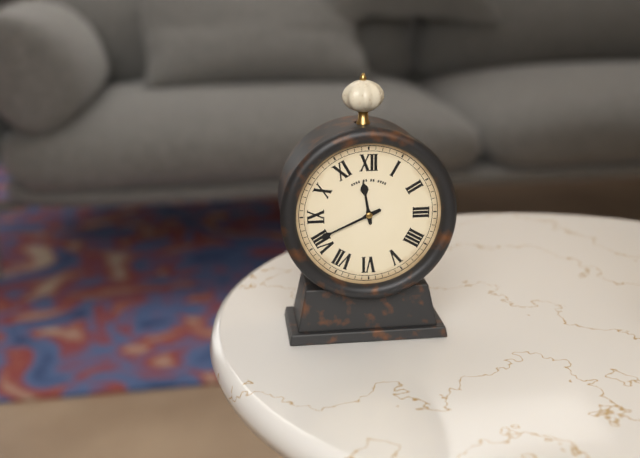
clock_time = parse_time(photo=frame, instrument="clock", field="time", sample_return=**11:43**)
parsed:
**11:41**
